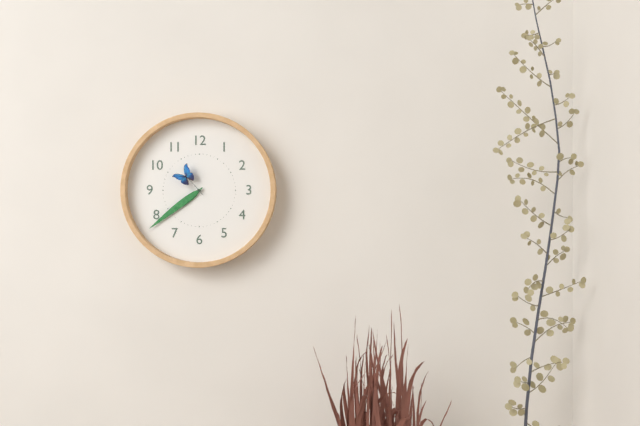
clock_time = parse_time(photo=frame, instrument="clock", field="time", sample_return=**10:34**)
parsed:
**7:39**
